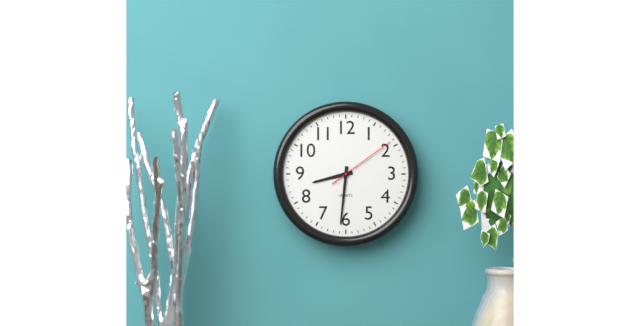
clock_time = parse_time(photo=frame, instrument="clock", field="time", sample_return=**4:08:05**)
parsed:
**8:31:09**
